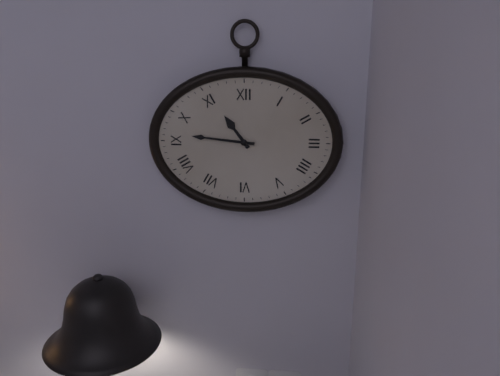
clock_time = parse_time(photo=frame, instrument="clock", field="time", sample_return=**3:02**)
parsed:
**10:46**
